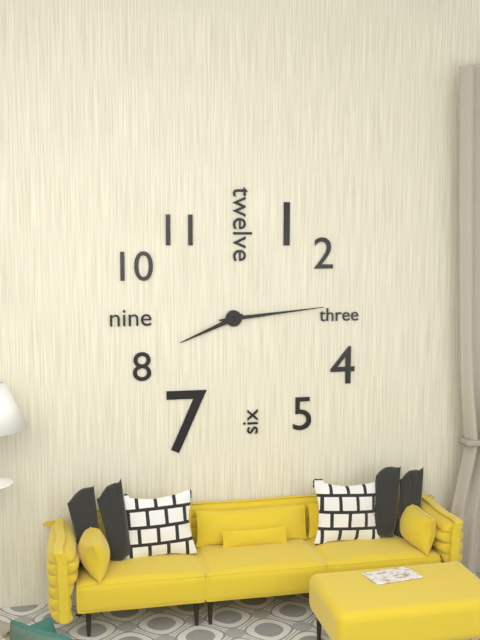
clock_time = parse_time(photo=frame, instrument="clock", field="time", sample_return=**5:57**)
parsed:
**8:14**
